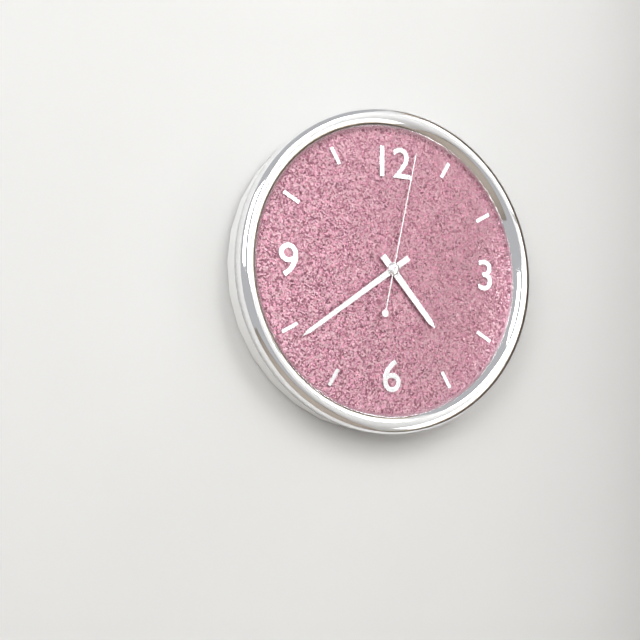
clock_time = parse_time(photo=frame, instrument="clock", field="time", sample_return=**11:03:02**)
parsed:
**4:39:02**
